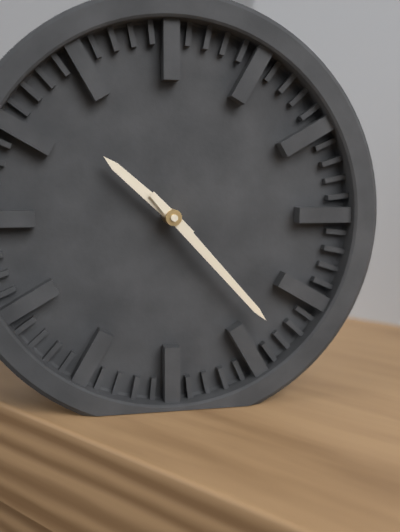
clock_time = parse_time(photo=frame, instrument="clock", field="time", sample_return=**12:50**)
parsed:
**10:23**
